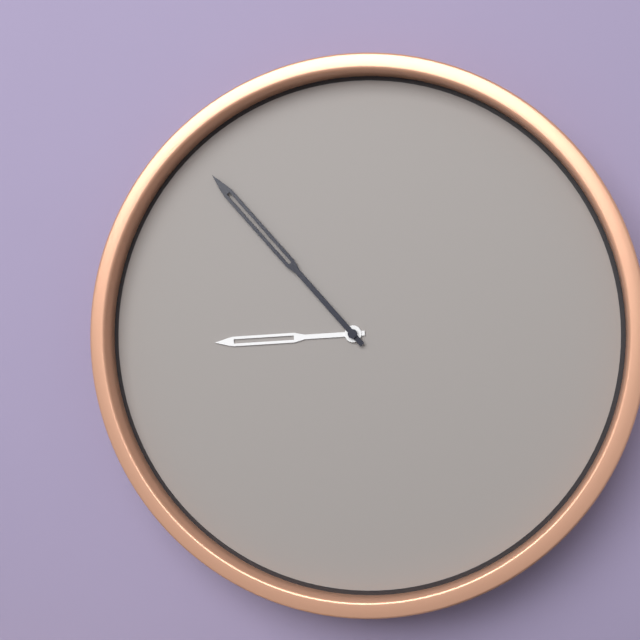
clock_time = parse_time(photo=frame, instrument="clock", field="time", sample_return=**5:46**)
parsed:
**8:53**
